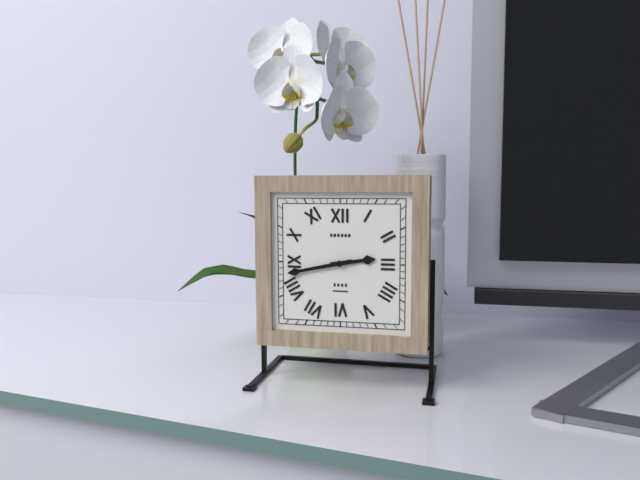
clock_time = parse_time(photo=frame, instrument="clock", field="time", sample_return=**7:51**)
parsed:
**2:43**
